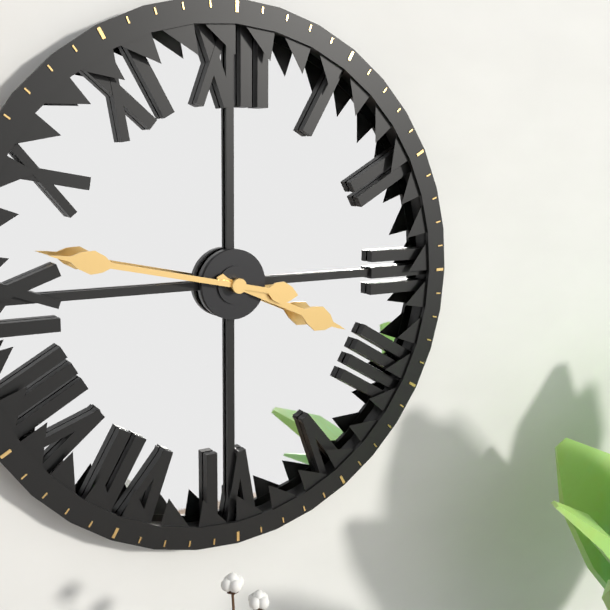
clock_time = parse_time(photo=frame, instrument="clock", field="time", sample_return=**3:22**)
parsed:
**3:47**
